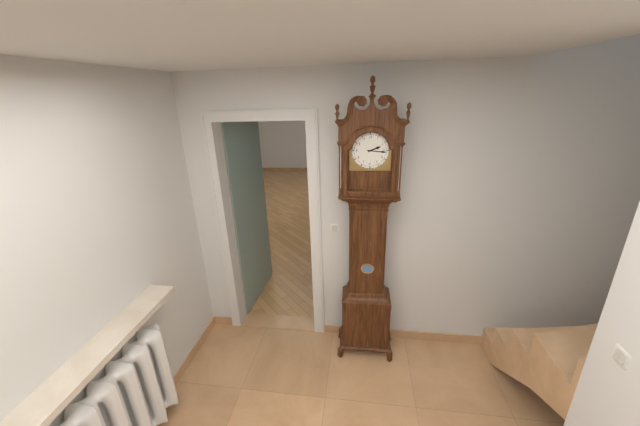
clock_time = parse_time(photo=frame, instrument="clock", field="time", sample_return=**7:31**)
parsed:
**2:16**
